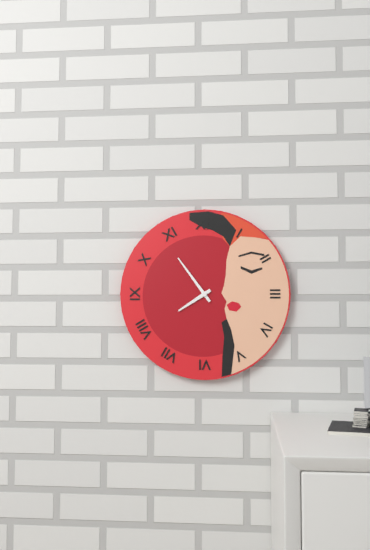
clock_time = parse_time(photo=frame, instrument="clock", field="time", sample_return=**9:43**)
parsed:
**7:54**
